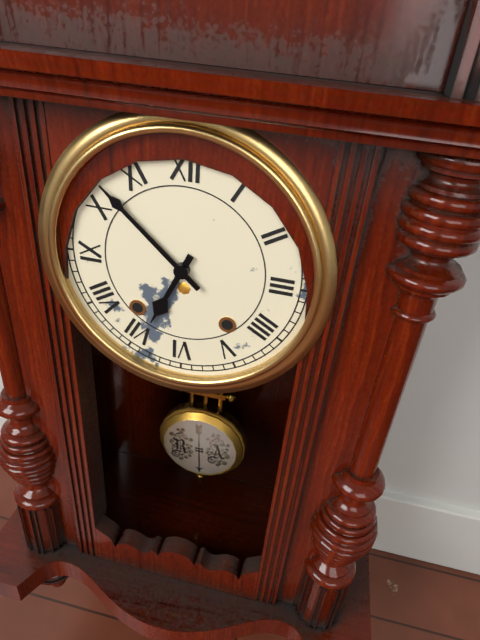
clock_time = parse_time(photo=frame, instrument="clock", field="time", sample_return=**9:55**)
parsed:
**6:52**
